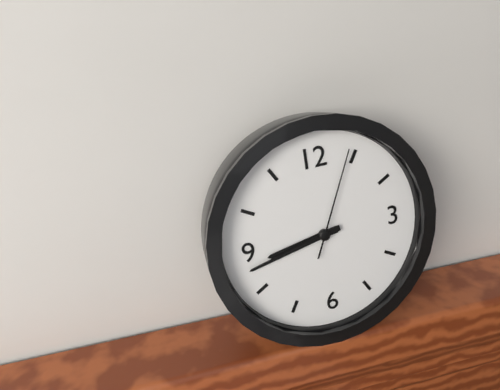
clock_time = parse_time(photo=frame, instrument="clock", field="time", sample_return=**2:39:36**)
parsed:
**8:43:04**
